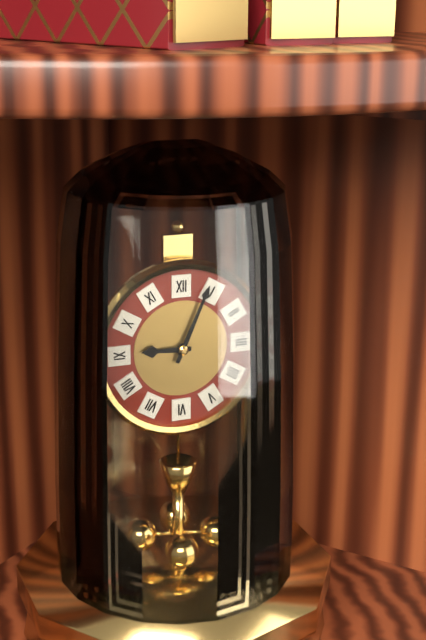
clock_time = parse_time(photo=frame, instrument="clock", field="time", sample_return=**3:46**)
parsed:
**9:04**
